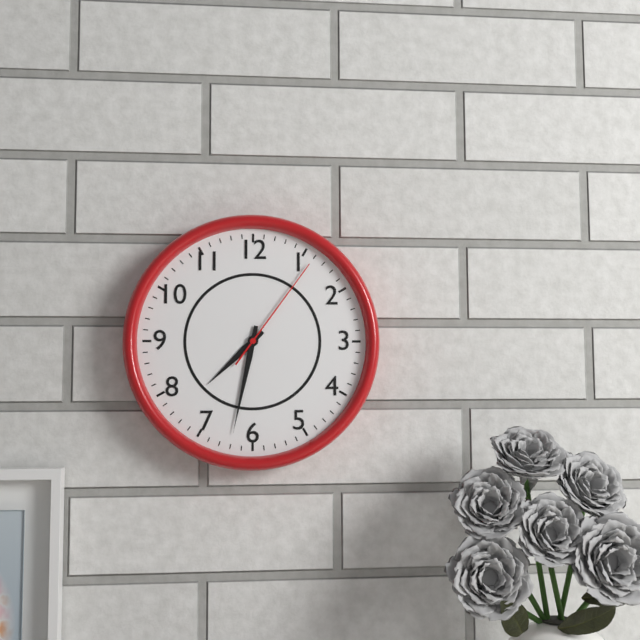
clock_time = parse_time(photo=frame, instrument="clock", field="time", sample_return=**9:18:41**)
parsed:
**7:32:06**
